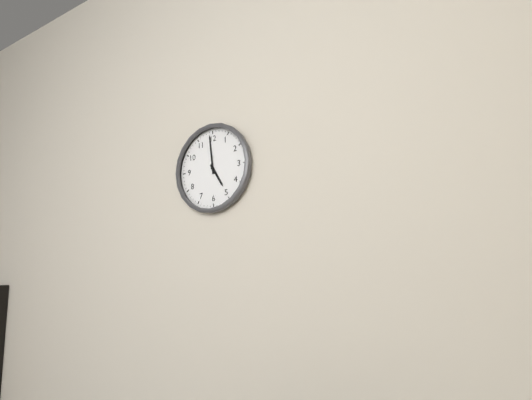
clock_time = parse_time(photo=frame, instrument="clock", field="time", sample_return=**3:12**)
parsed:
**4:59**
